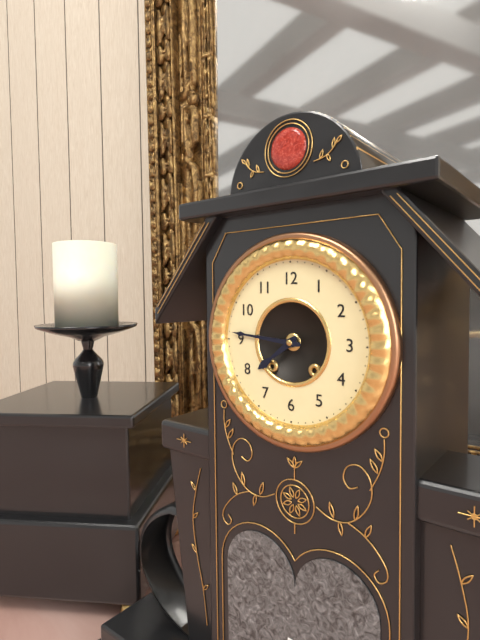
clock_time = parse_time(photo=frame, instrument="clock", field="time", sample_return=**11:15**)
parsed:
**7:46**
